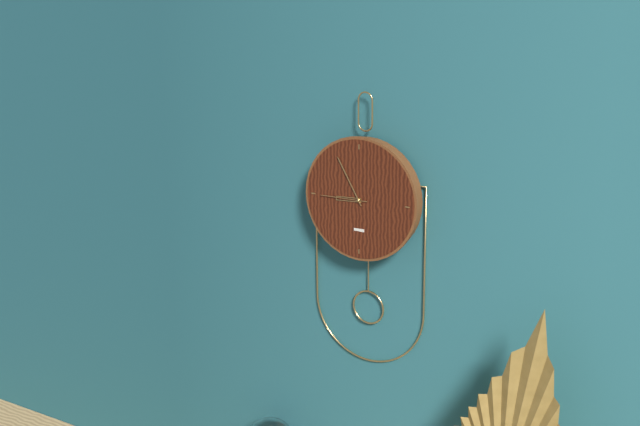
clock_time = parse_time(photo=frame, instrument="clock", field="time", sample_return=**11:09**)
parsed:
**8:55**
